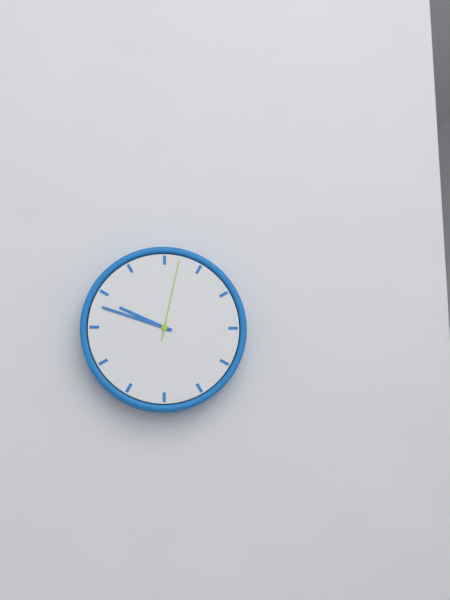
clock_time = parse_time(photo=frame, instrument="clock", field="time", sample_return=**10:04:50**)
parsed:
**9:48:02**
